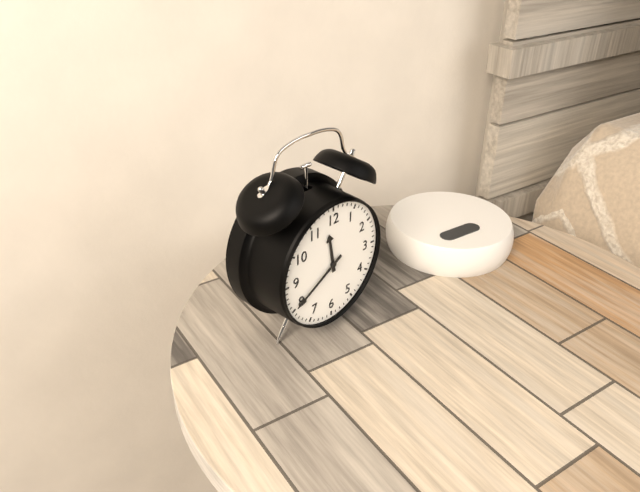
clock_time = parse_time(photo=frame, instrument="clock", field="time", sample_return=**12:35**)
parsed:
**11:40**
